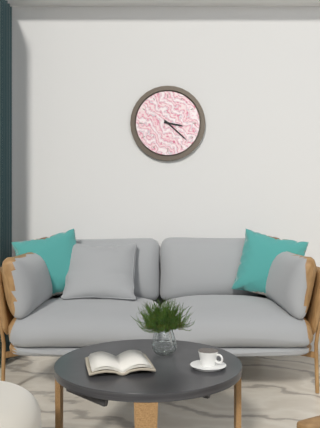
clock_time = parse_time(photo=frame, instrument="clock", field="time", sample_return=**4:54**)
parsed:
**3:22**
